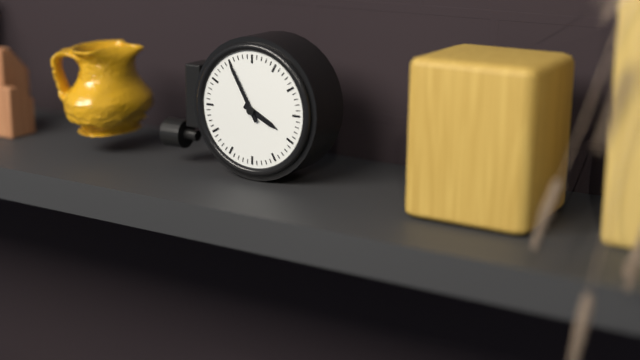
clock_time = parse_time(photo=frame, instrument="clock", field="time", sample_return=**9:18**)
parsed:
**3:55**
